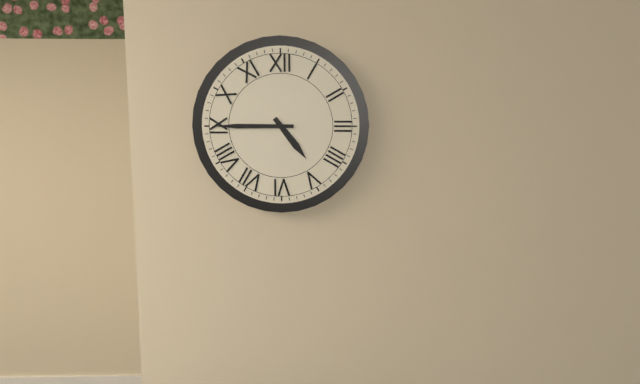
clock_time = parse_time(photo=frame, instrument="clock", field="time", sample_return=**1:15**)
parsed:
**4:45**
